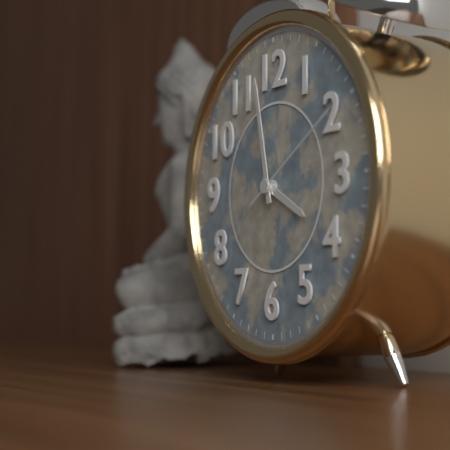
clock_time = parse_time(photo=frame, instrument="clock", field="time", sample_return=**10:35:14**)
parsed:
**3:58:10**
